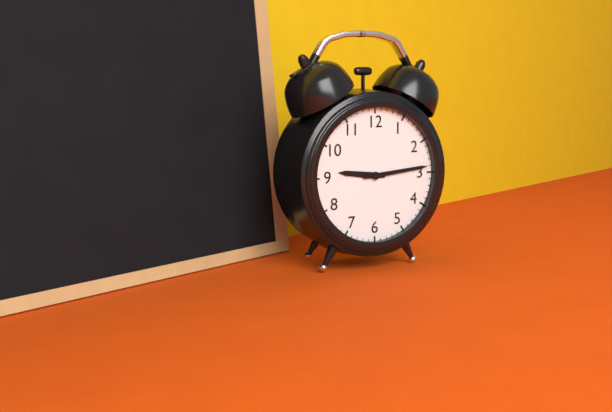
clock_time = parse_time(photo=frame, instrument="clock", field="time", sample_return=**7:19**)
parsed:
**9:14**
